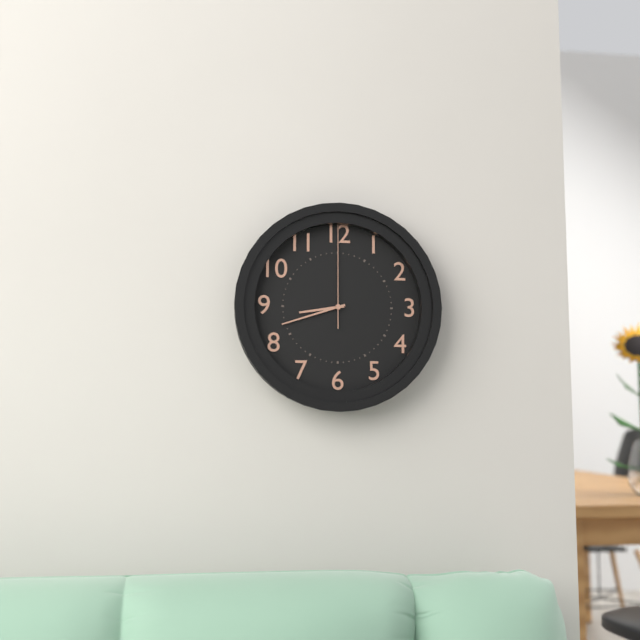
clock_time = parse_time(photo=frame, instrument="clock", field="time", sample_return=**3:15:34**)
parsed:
**8:42:00**
